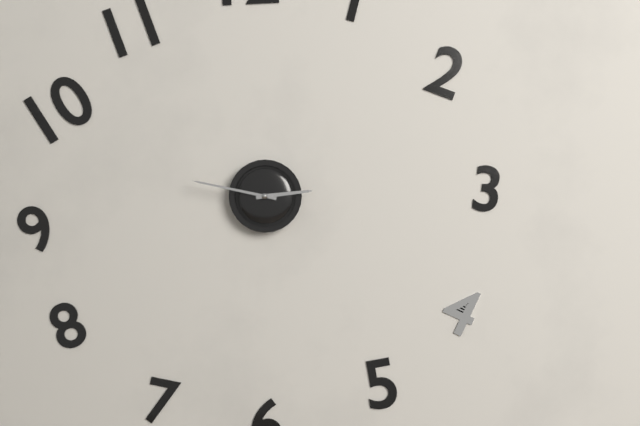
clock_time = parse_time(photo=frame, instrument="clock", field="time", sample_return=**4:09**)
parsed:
**2:47**
